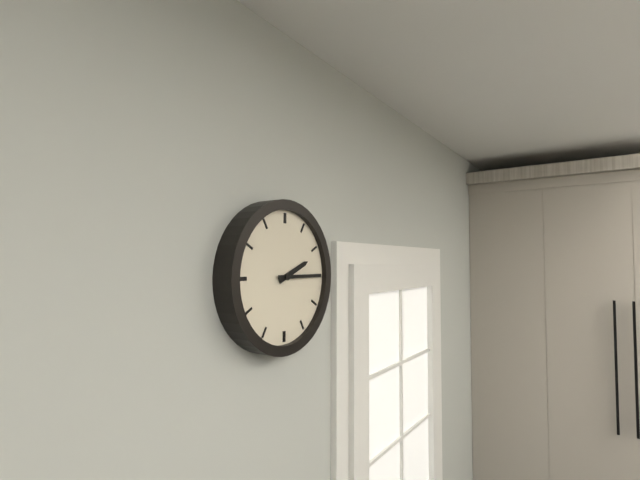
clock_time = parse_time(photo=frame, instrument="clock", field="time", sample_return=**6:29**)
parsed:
**2:15**
